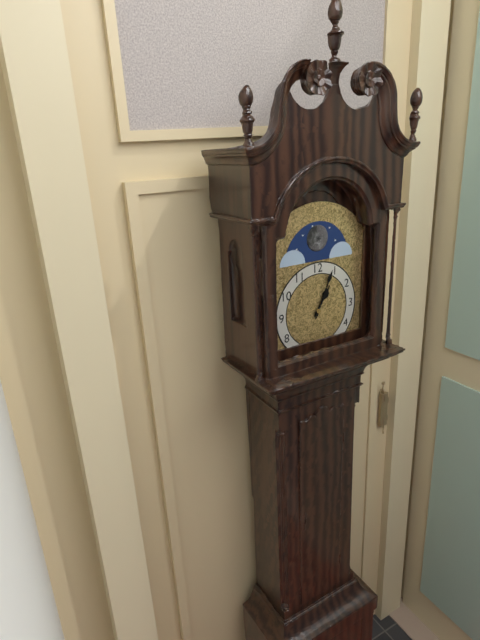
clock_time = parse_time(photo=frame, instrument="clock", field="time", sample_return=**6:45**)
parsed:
**1:04**
